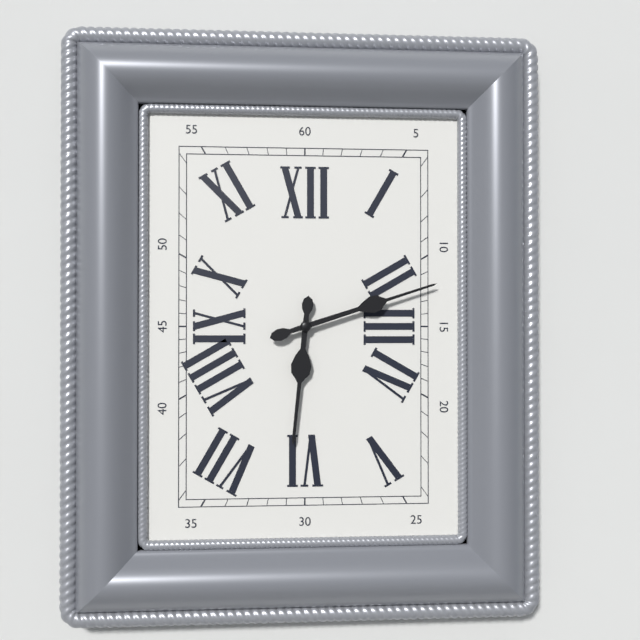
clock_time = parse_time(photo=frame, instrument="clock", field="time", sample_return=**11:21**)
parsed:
**6:12**
